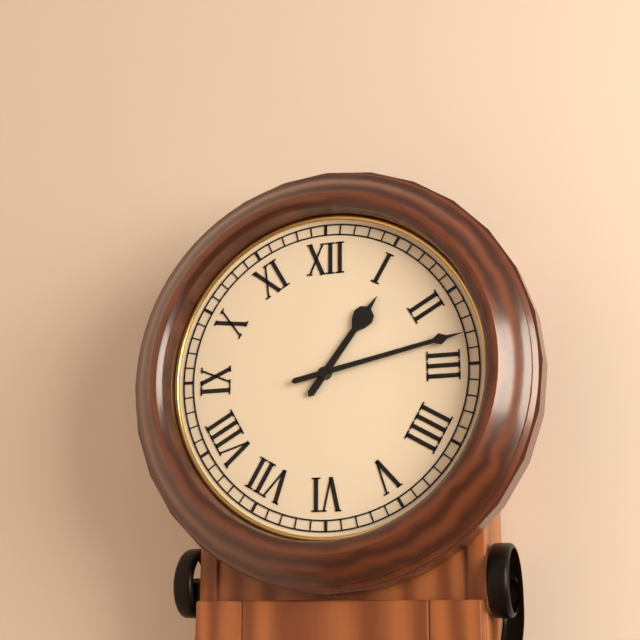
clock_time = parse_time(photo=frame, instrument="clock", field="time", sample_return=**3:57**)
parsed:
**1:13**
